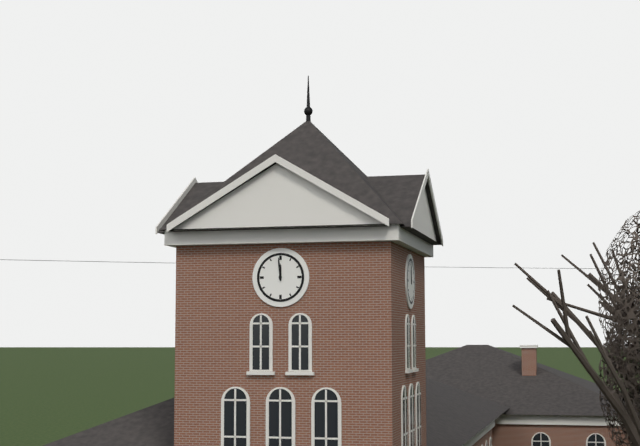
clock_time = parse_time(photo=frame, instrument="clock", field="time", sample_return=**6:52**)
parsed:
**11:59**
